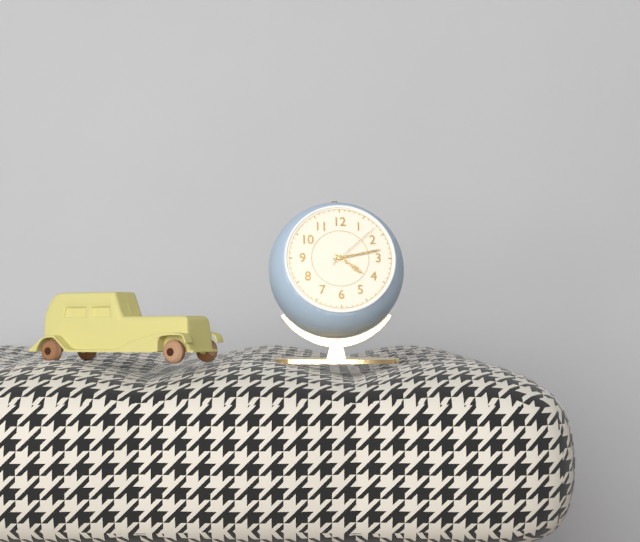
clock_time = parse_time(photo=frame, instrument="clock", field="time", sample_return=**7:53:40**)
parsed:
**4:13:08**
